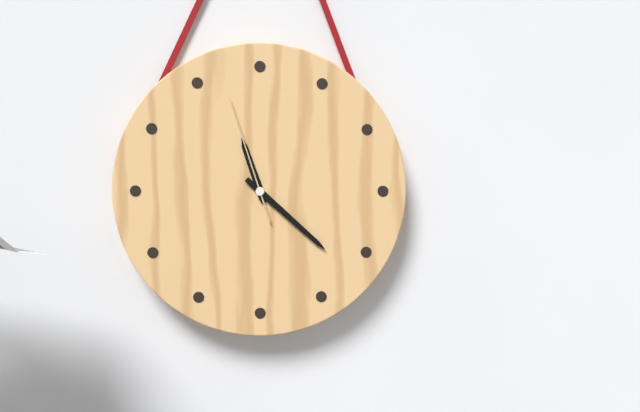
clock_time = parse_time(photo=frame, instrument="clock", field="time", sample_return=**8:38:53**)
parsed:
**11:22:57**
